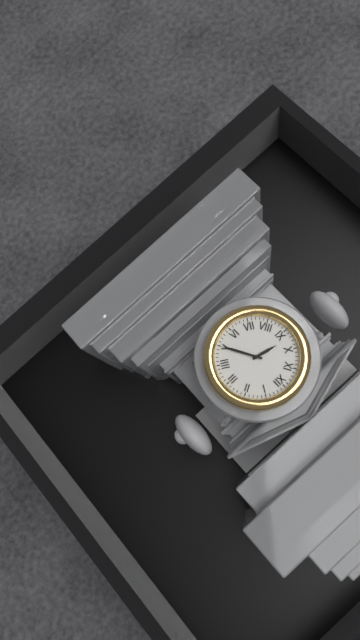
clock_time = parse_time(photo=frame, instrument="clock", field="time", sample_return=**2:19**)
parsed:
**9:25**
